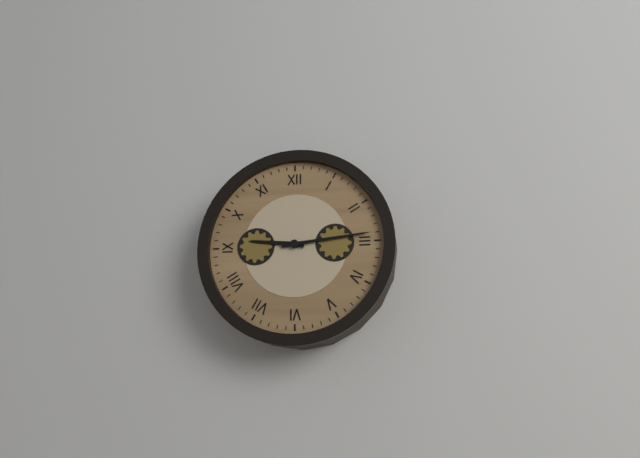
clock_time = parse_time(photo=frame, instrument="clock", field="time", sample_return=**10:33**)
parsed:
**9:14**
